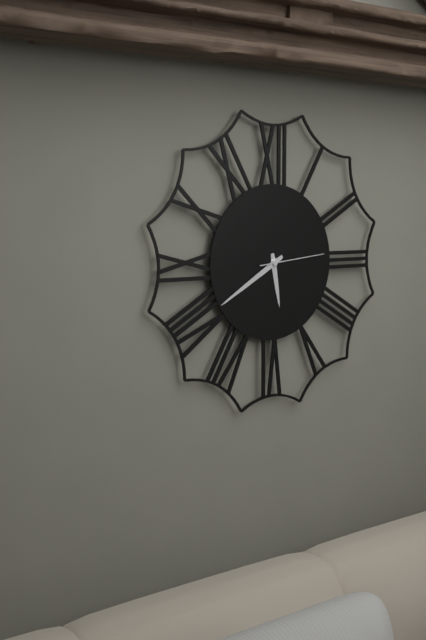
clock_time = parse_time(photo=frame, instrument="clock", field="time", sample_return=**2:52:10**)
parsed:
**5:40:14**
